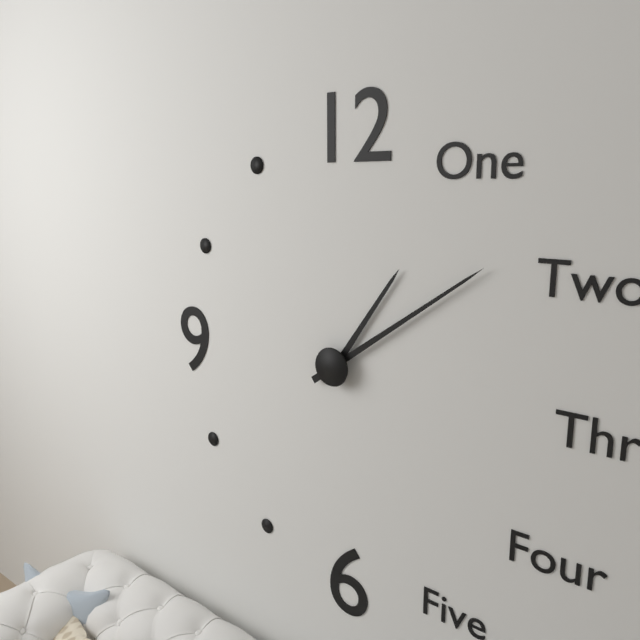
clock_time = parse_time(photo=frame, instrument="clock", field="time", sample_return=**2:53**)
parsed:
**1:09**
